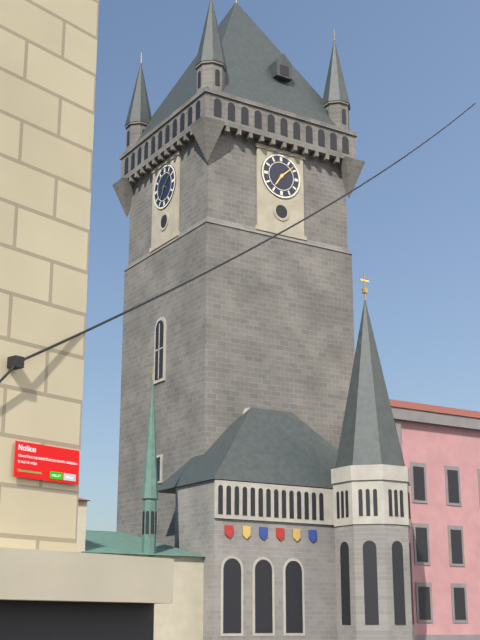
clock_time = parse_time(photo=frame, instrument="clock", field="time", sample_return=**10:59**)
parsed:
**7:08**
